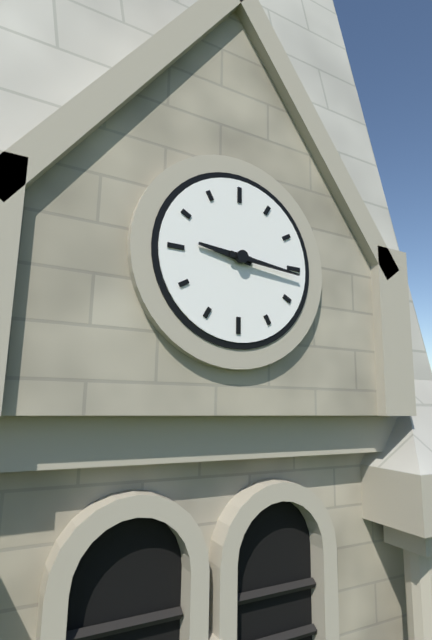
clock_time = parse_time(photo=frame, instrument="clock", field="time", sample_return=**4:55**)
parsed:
**9:16**
